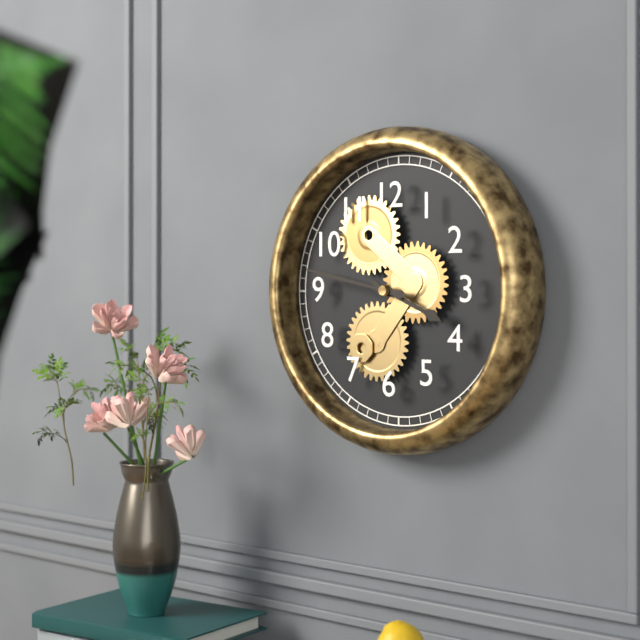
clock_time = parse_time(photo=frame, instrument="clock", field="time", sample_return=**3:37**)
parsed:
**3:47**
